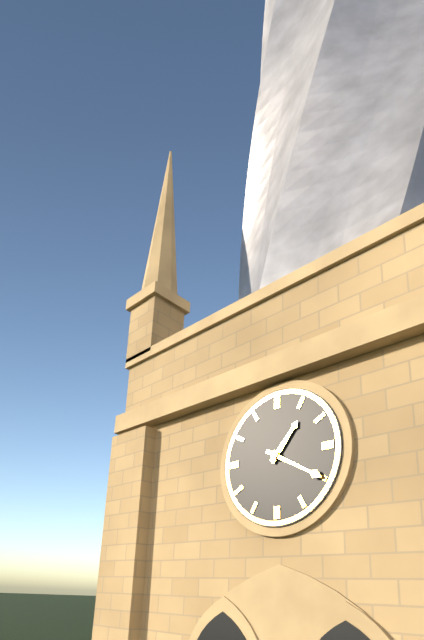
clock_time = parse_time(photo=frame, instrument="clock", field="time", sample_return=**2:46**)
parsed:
**1:20**
